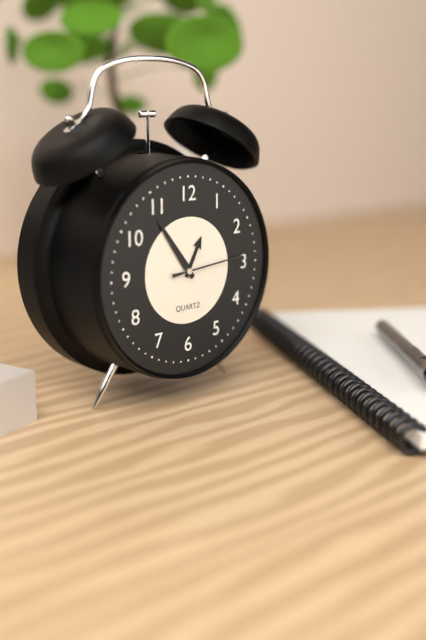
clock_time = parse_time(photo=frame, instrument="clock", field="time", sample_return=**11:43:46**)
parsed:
**12:54:14**
